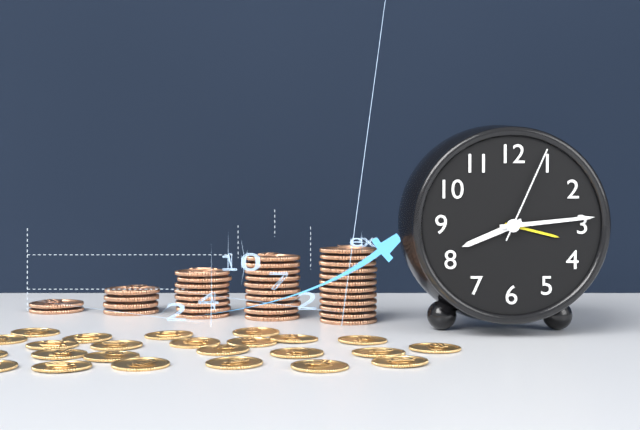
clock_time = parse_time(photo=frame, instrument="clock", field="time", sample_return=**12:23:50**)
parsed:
**8:14:04**
